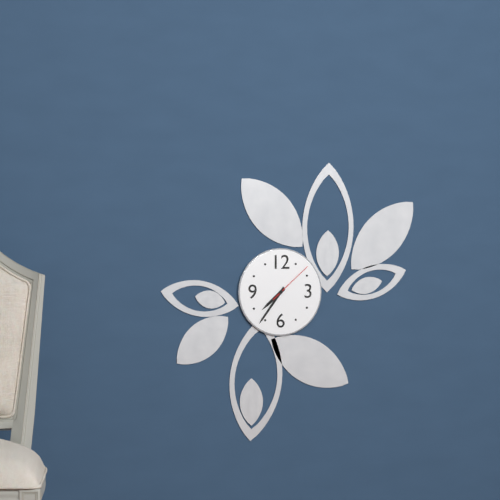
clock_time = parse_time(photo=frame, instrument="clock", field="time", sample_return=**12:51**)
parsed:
**7:36**
